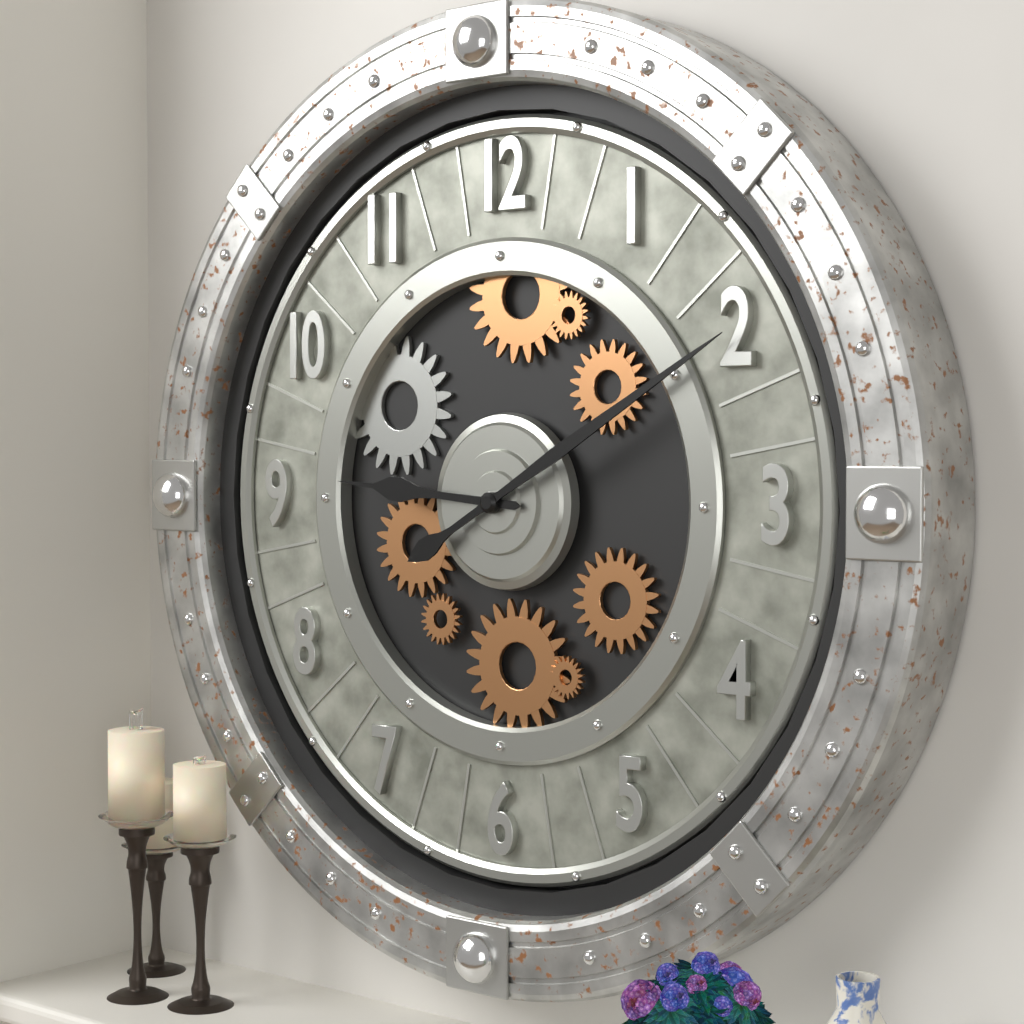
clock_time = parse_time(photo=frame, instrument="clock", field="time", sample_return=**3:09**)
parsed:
**9:10**
